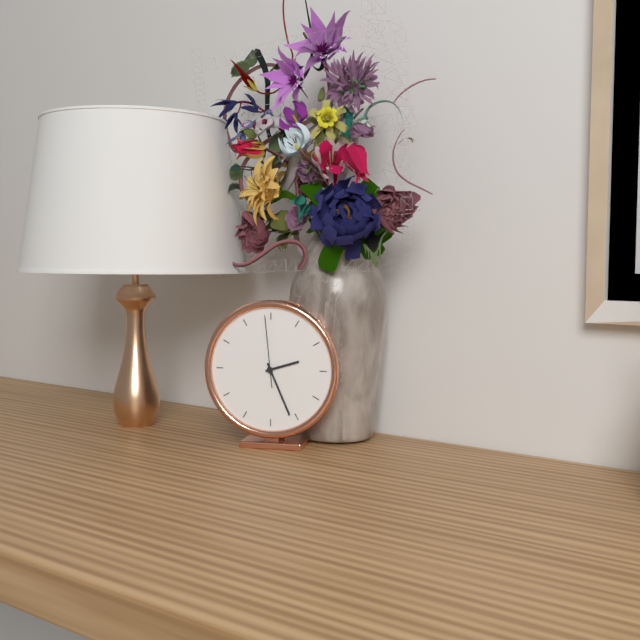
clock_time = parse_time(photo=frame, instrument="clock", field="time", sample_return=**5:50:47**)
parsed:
**2:26:59**
